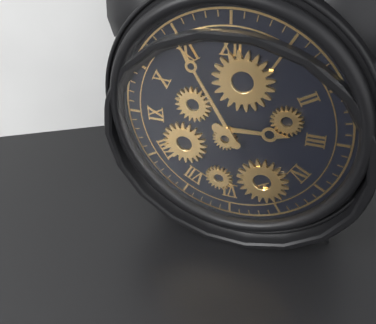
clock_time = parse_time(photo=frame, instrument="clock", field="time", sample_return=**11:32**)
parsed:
**2:55**
